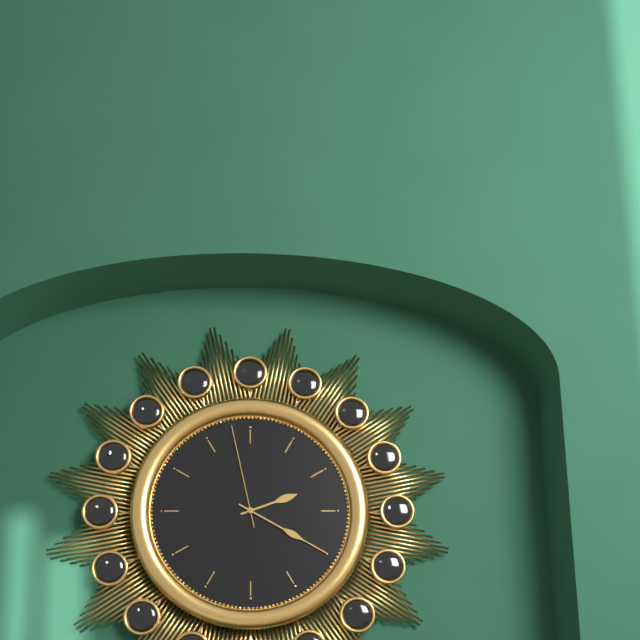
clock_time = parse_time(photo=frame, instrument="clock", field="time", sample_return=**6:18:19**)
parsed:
**2:20:58**
